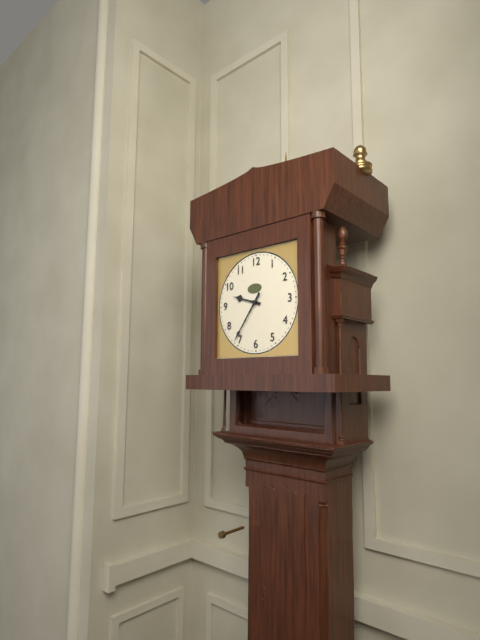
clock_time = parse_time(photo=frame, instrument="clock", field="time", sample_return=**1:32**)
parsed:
**9:36**
